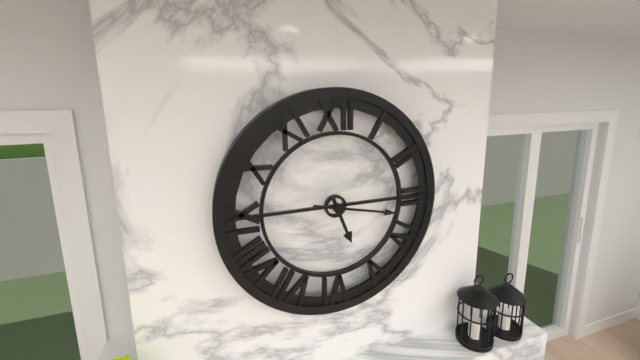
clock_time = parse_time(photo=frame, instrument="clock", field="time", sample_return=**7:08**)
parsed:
**5:17**
